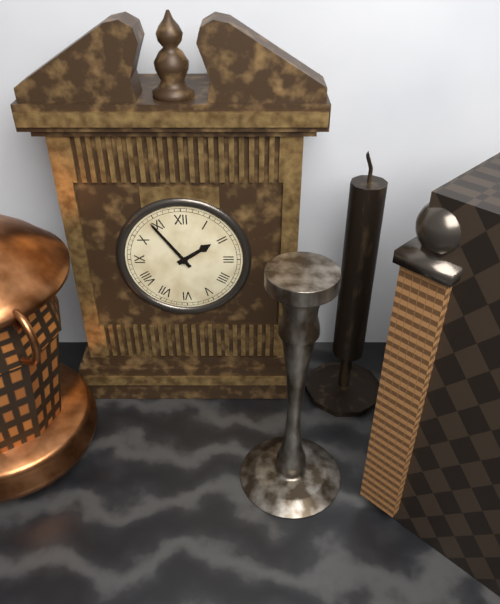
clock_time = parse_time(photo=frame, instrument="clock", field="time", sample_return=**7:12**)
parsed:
**1:54**
